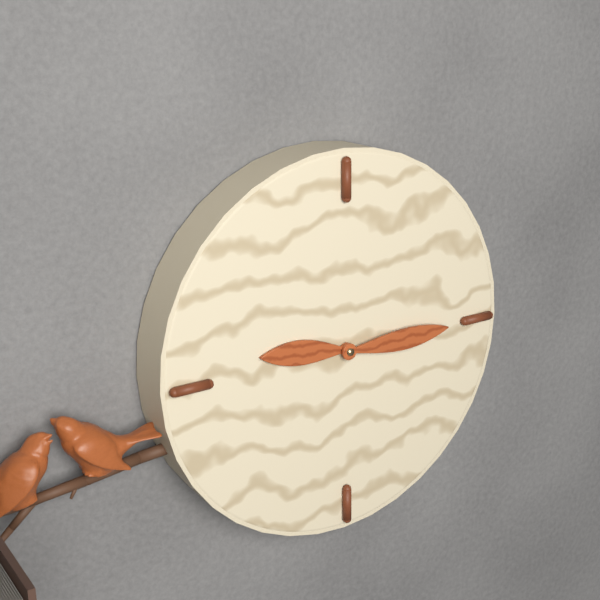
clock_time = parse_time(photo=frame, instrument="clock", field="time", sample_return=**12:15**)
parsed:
**9:15**
